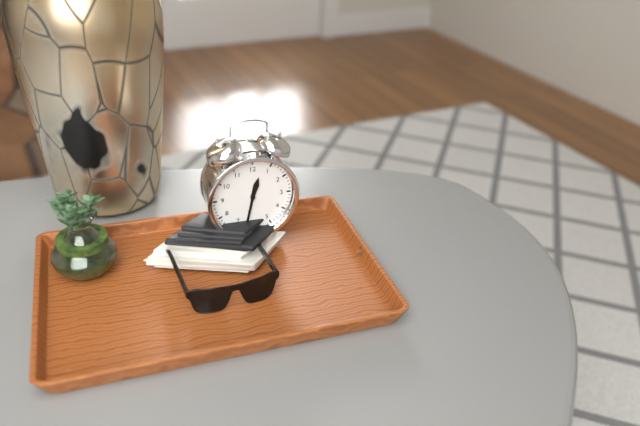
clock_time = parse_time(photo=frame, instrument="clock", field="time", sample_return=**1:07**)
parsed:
**12:32**
